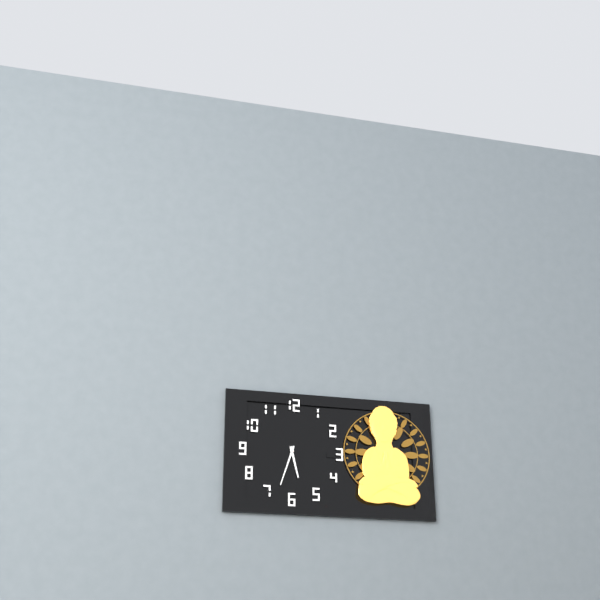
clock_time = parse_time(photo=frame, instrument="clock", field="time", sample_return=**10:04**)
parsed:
**5:33**
